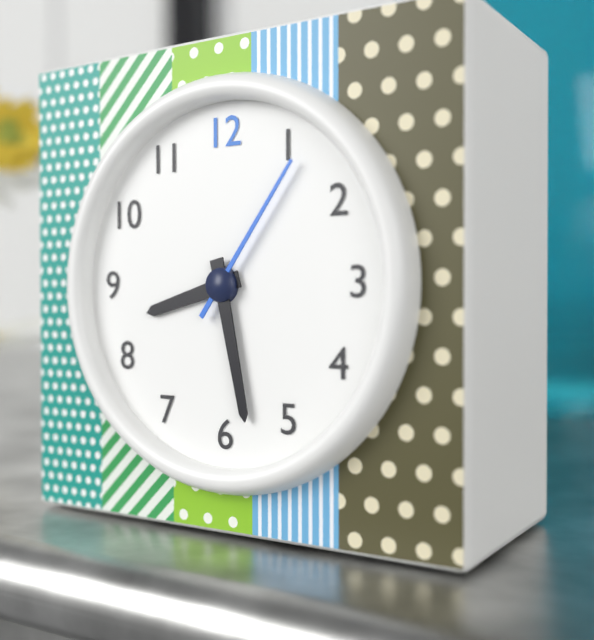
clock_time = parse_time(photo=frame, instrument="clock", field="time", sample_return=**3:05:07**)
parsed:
**8:28:06**
